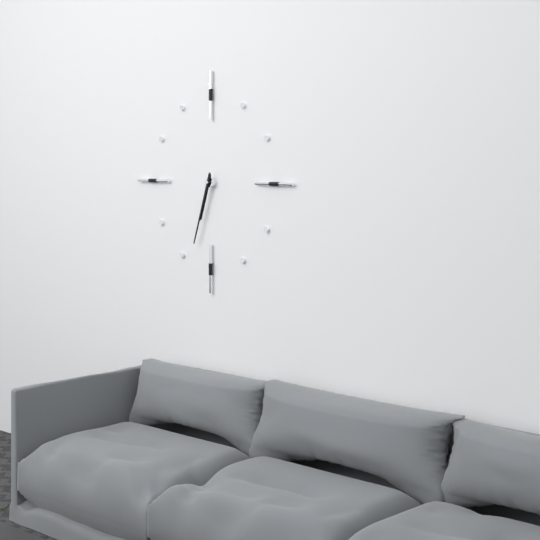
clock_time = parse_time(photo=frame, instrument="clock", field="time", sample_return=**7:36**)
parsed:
**6:33**
